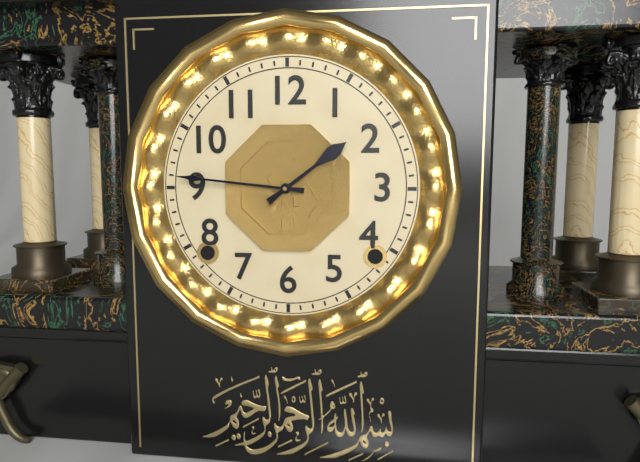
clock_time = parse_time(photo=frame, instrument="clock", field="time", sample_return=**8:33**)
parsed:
**1:46**
